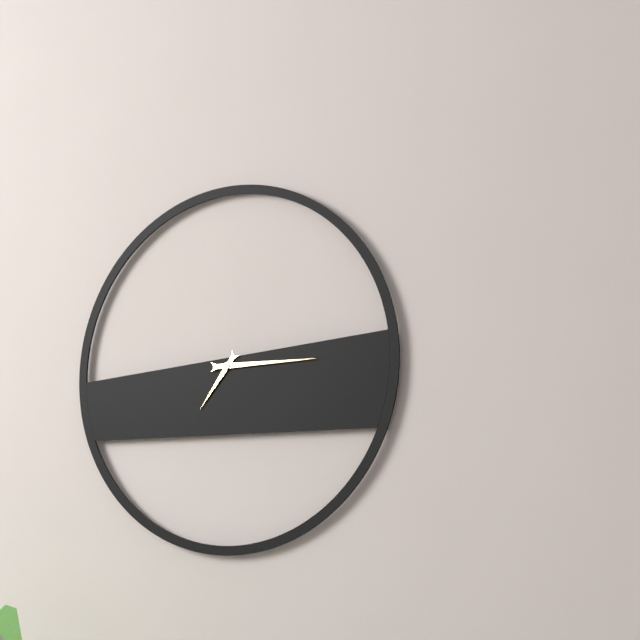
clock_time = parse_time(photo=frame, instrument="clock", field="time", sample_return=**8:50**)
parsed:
**7:15**
